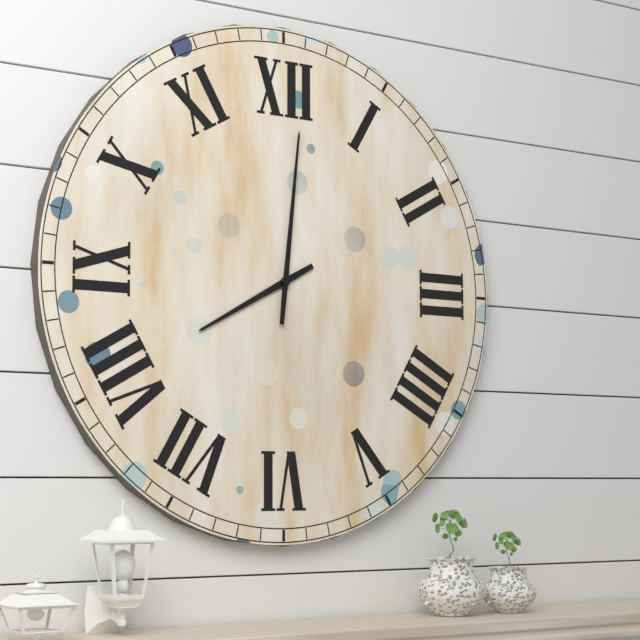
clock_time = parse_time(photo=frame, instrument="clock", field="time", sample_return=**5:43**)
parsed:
**8:01**
